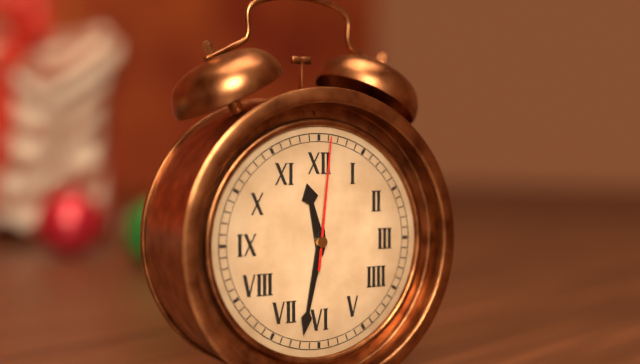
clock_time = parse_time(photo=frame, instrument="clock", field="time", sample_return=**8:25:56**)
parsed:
**11:32:01**
